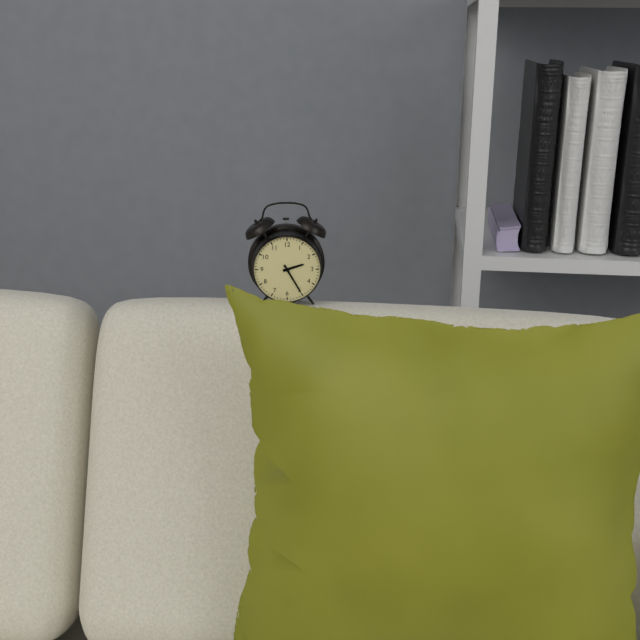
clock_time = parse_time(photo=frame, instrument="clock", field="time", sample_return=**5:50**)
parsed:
**2:25**
